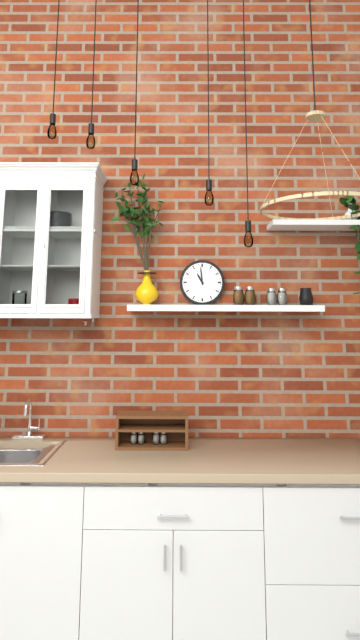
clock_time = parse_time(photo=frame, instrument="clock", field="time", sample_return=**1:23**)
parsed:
**10:59**
